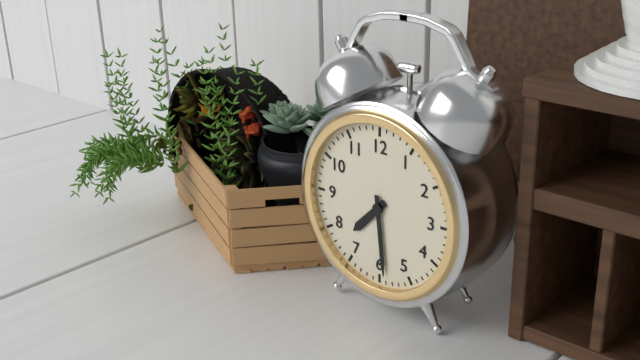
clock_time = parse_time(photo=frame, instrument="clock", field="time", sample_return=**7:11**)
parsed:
**7:29**
